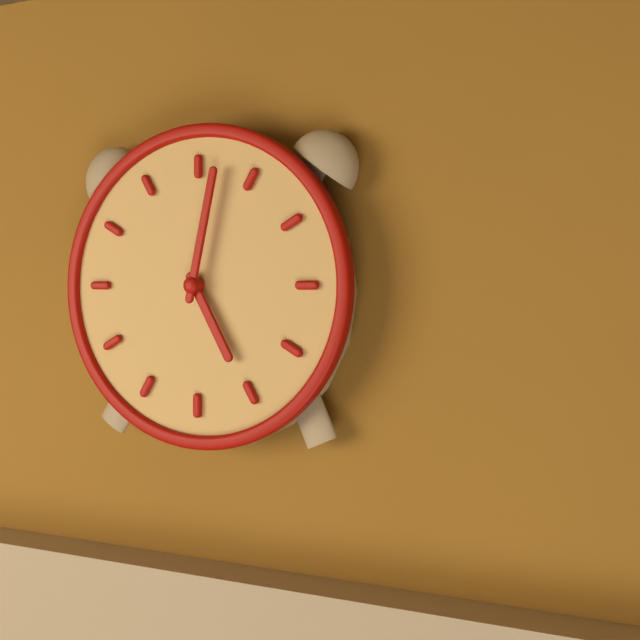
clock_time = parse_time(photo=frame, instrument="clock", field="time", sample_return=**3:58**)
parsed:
**5:02**
